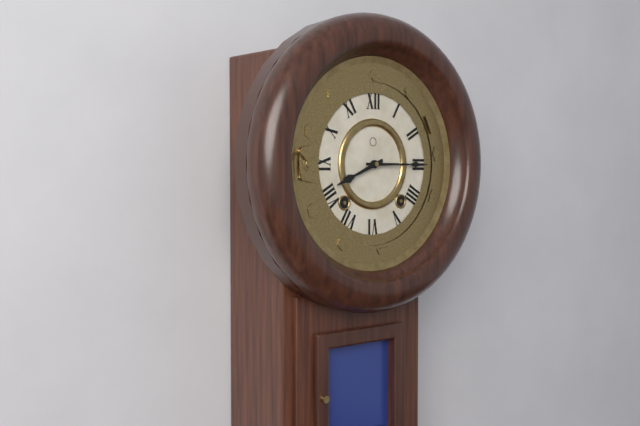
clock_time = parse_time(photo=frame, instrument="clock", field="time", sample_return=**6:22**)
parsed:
**8:15**
